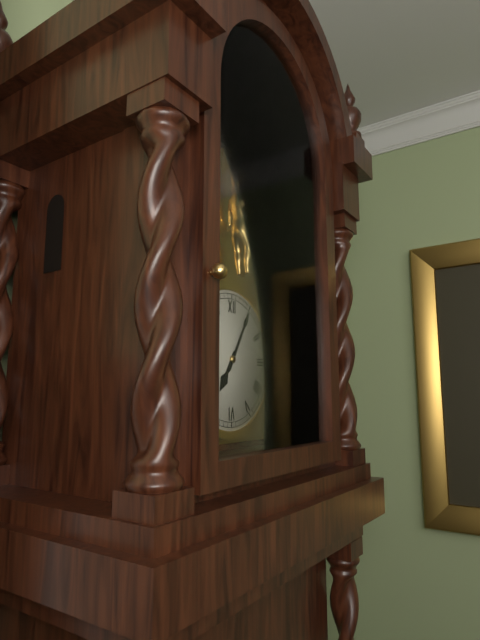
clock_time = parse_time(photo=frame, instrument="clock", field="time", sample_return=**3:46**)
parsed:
**7:05**
